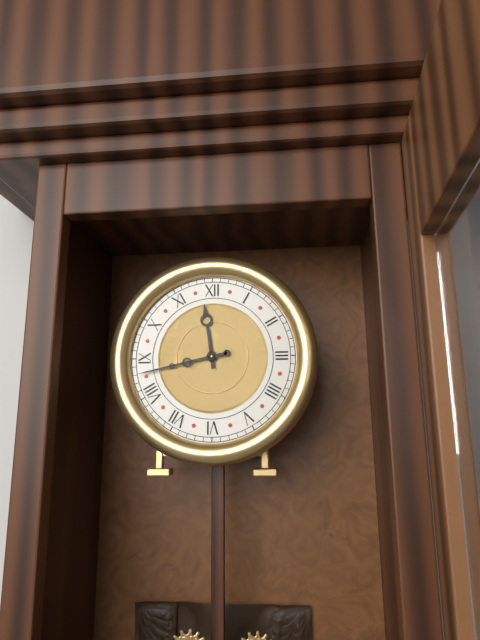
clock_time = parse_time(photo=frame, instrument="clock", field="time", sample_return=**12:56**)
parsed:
**11:43**
